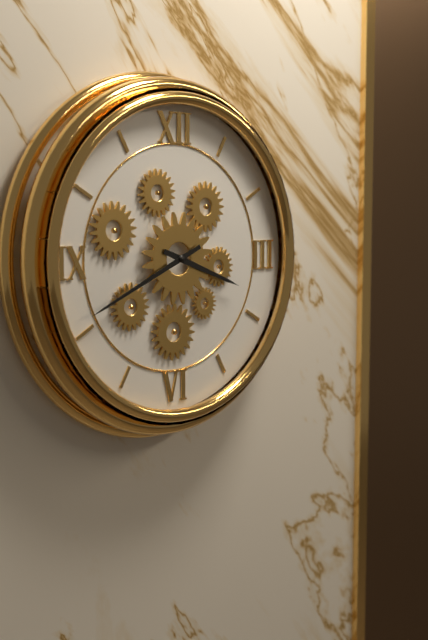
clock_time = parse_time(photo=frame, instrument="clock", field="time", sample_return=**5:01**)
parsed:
**3:41**
